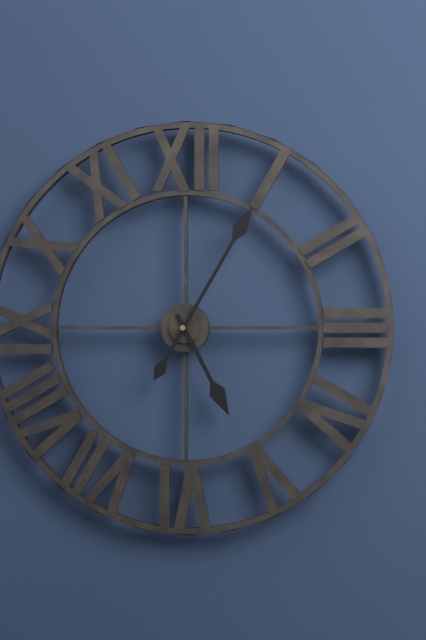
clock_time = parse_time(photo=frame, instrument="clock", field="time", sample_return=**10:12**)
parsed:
**5:05**
